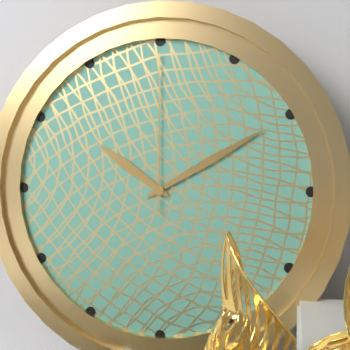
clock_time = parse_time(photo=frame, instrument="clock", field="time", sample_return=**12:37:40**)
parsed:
**10:10:00**
